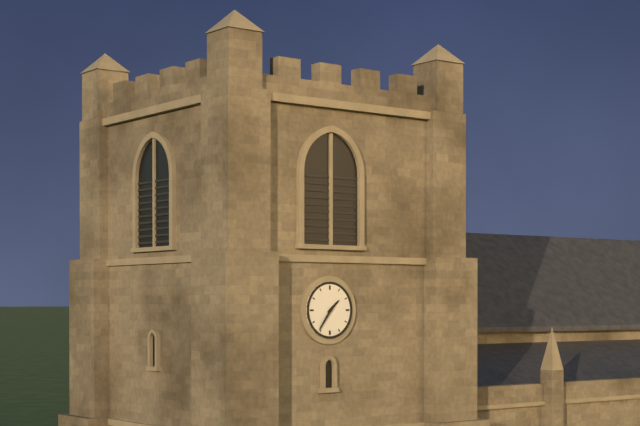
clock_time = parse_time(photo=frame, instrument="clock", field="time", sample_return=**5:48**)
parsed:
**1:36**
